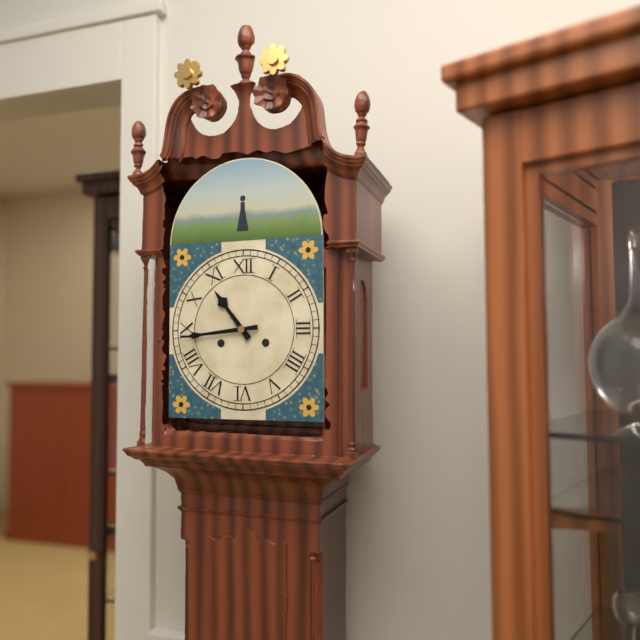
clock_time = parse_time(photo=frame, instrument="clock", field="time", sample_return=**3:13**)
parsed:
**10:44**
